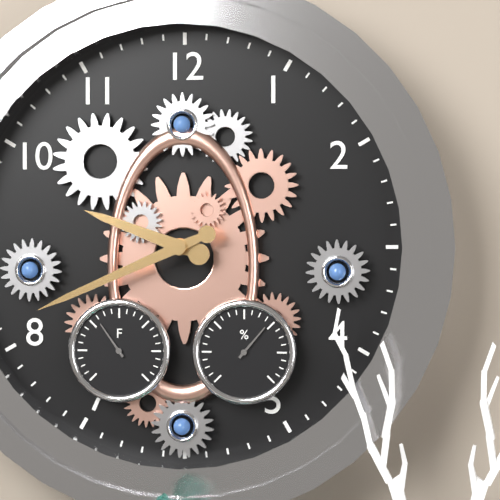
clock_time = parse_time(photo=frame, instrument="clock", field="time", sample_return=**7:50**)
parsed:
**9:41**
